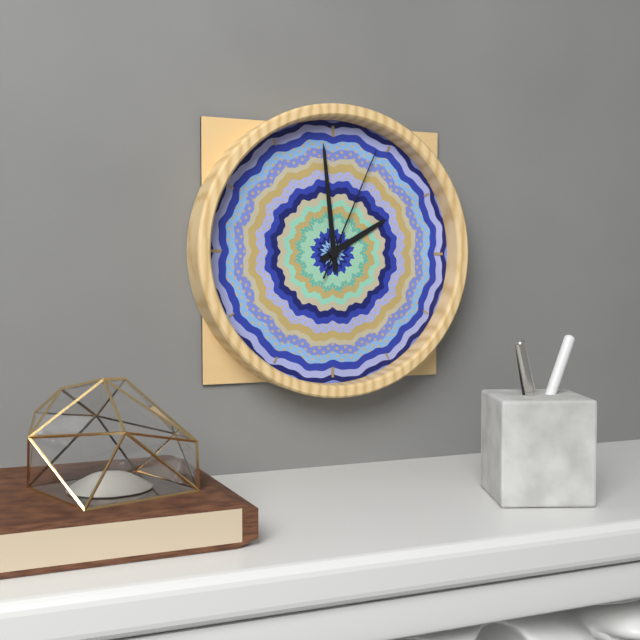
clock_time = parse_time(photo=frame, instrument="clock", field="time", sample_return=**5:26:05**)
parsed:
**1:59:04**
